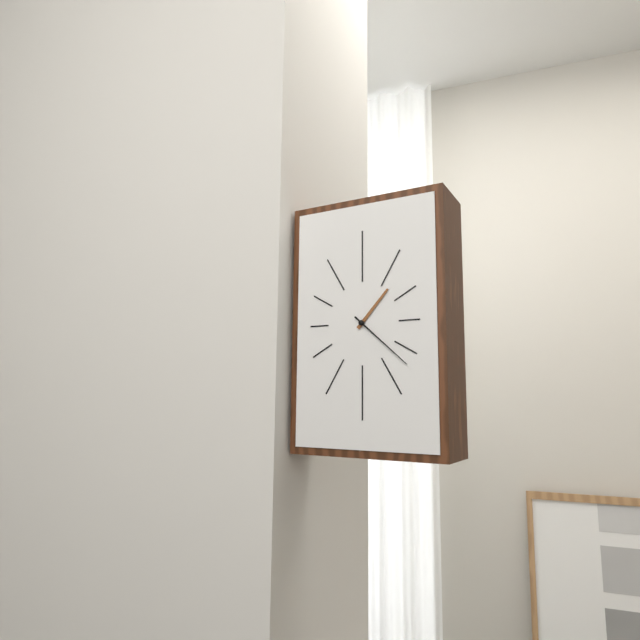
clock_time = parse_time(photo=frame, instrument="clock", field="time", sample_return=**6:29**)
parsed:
**1:22**
